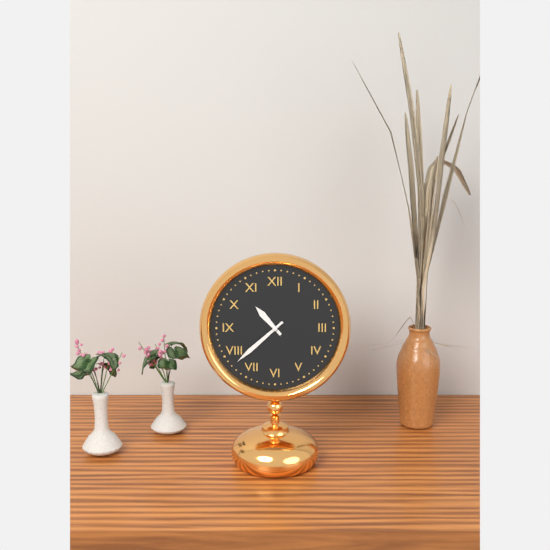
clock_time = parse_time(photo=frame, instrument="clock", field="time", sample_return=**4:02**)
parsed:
**10:38**
